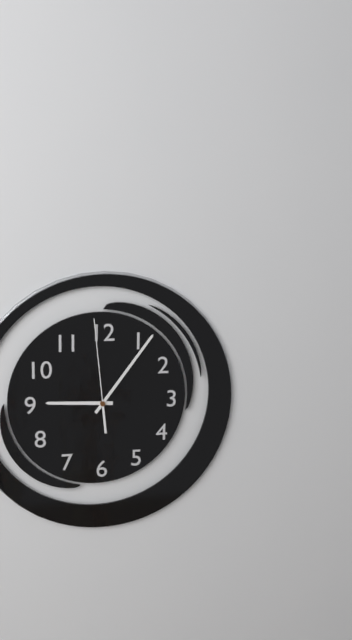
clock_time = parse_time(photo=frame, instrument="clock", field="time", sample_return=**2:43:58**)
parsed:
**9:06:59**
